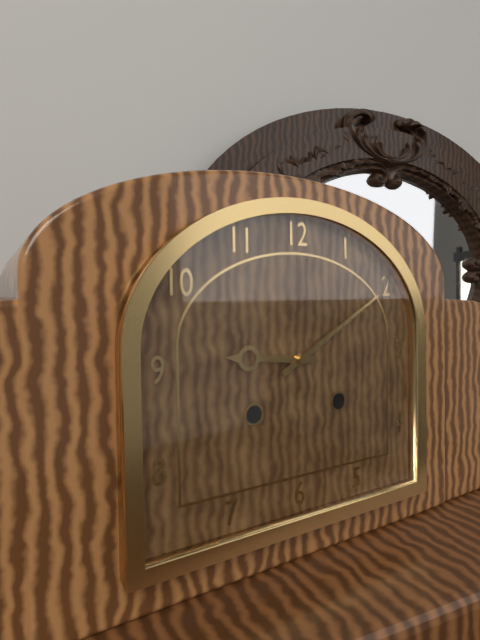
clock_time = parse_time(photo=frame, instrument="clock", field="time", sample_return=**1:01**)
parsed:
**9:10**
